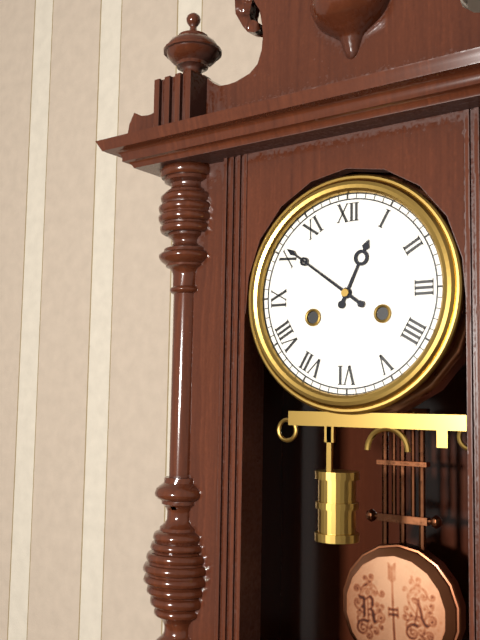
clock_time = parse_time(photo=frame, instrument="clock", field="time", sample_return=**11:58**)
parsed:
**12:51**
